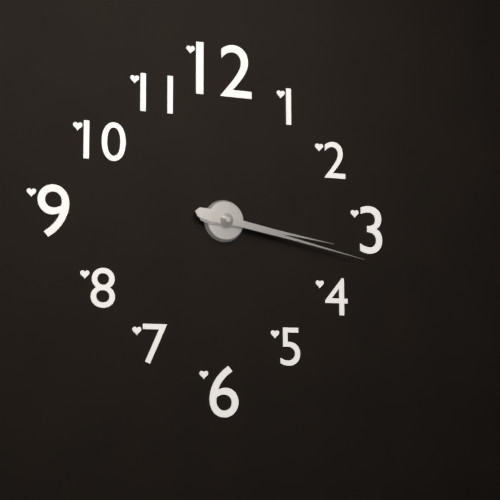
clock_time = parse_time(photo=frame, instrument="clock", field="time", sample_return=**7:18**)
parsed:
**3:17**
